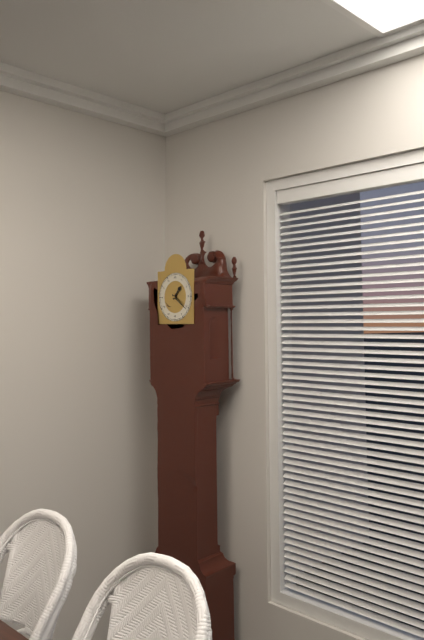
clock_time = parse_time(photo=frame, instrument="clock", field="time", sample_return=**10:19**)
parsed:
**1:21**
